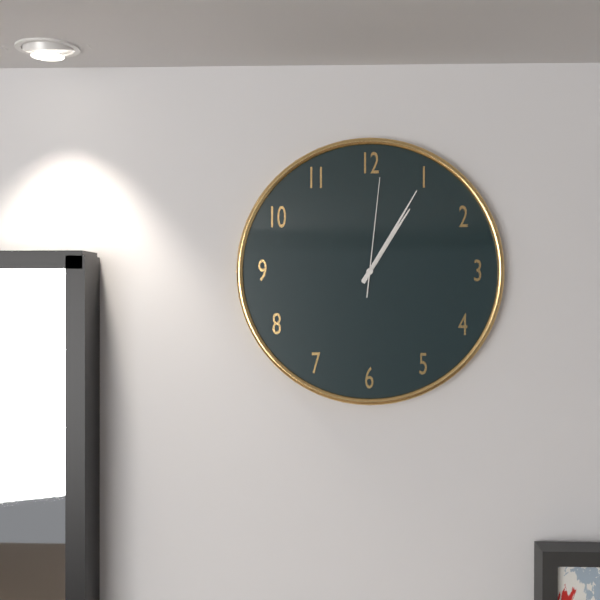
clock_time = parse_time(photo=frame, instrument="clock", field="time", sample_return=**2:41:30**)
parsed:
**1:05:01**
